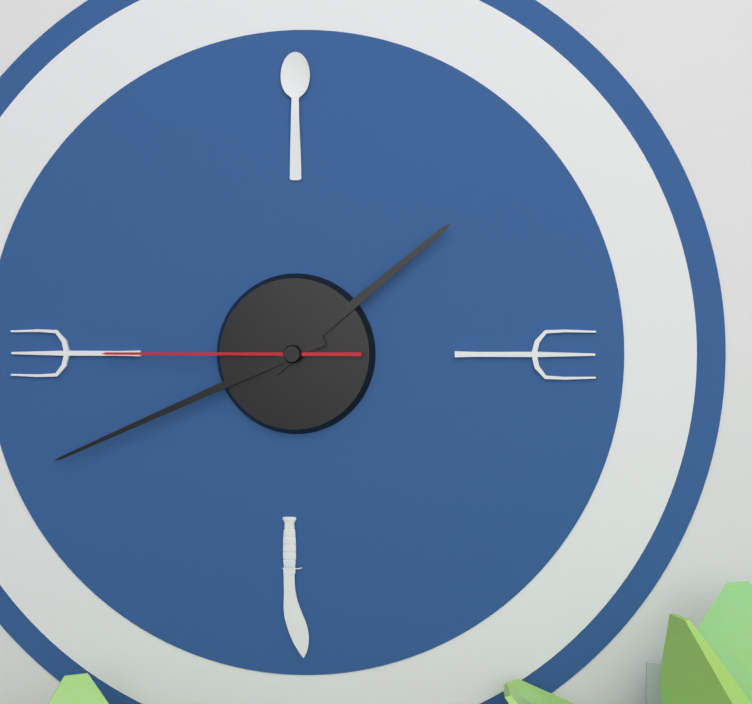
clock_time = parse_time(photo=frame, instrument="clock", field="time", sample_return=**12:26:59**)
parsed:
**1:41:45**
